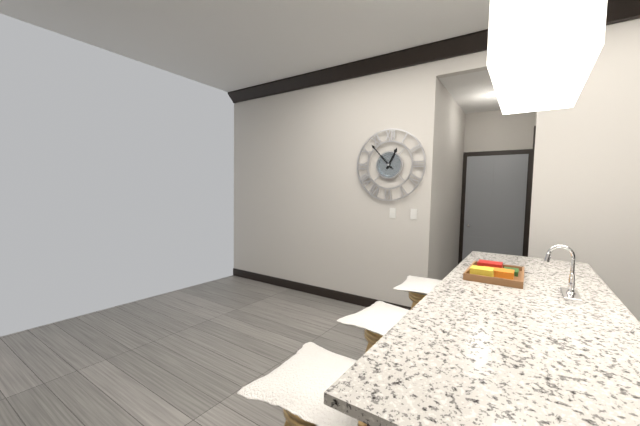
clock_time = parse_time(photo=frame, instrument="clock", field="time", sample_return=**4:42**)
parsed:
**12:53**
